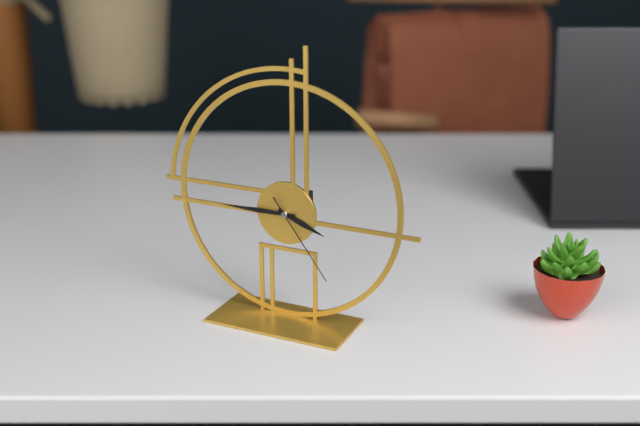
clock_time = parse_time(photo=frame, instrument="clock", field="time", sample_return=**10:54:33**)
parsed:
**3:45:24**
